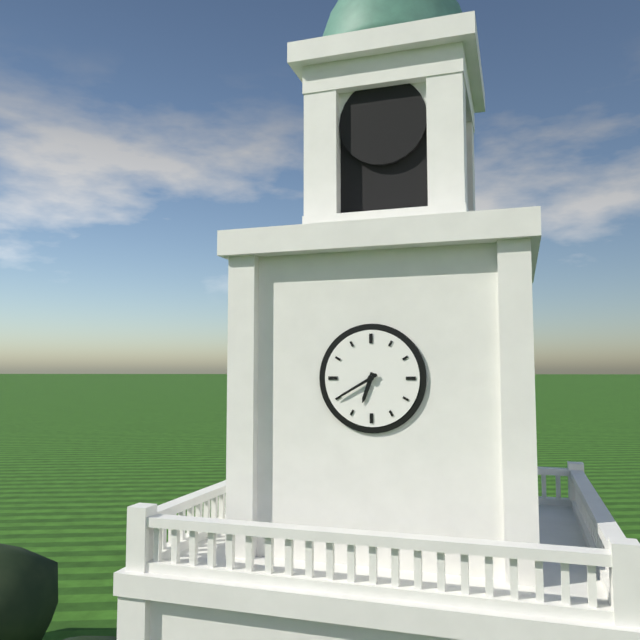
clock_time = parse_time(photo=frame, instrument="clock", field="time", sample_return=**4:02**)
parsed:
**6:40**
